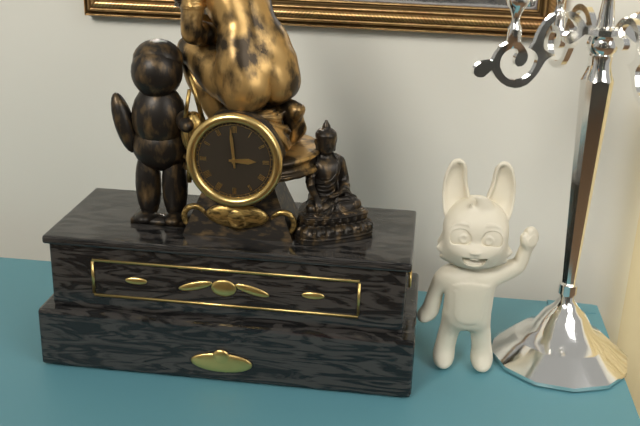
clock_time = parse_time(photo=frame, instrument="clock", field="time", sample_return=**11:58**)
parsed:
**2:59**
